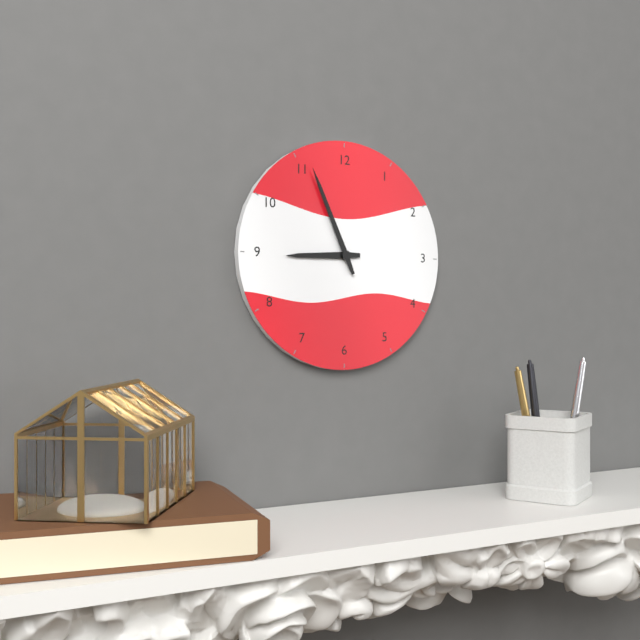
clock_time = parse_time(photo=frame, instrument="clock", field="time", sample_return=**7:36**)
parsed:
**8:56**
